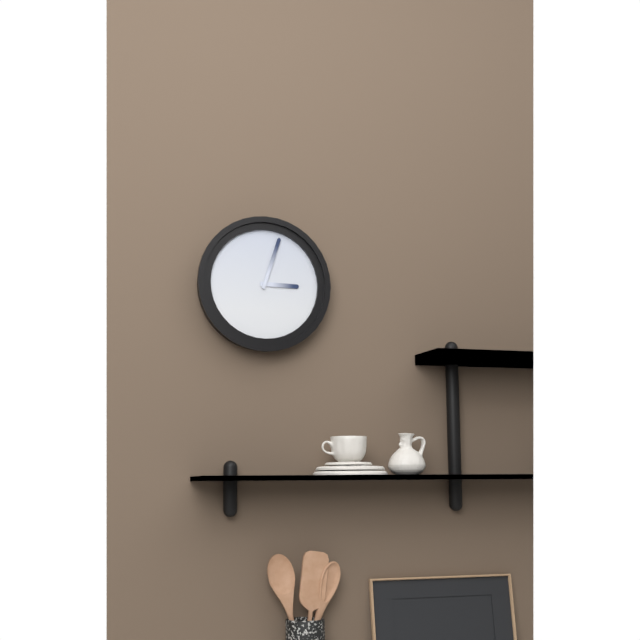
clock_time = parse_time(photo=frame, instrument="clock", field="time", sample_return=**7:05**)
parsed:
**3:03**
